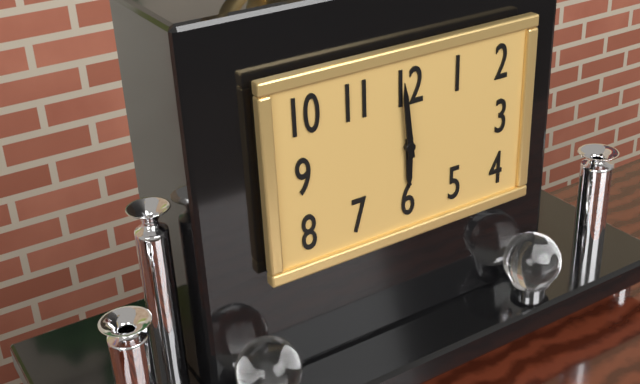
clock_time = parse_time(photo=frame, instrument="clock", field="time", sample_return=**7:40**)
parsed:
**5:59**
